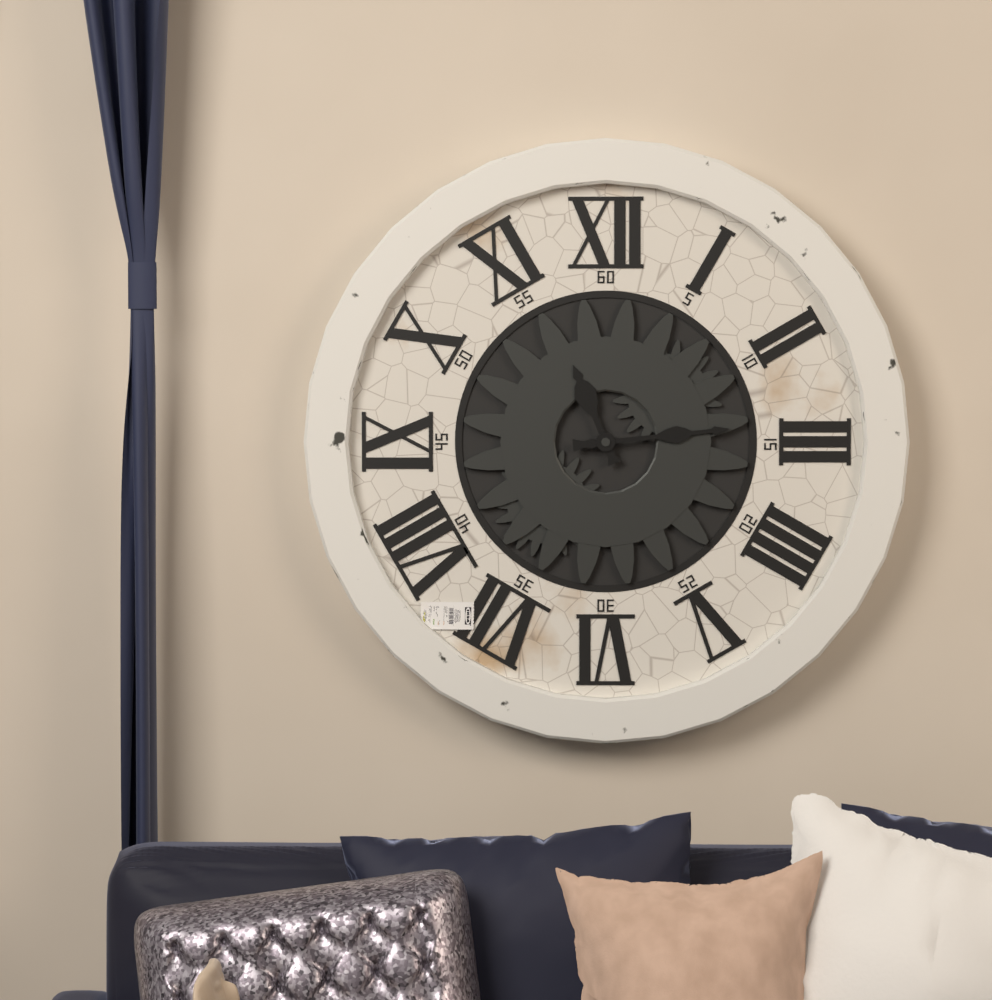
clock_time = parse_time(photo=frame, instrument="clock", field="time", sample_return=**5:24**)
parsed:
**11:14**
